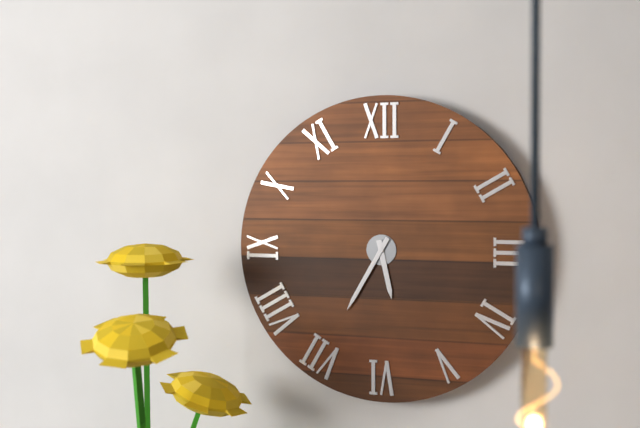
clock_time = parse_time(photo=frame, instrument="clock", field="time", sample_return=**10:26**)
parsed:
**5:35**
